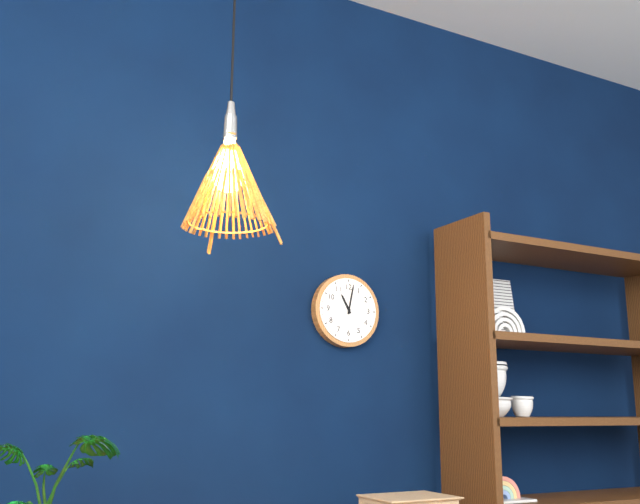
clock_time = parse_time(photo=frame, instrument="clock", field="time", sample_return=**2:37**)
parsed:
**11:02**
